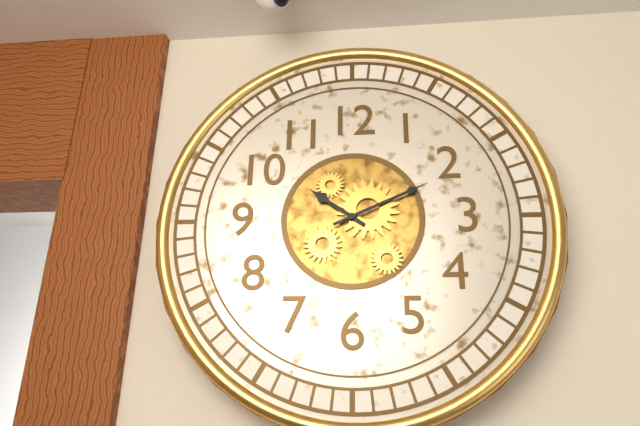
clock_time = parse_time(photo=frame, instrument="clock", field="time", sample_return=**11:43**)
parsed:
**10:11**
